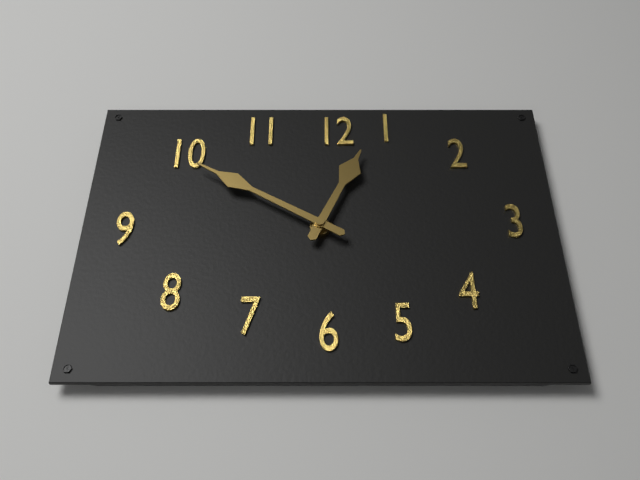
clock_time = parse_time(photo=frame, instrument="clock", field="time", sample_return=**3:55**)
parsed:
**12:50**
